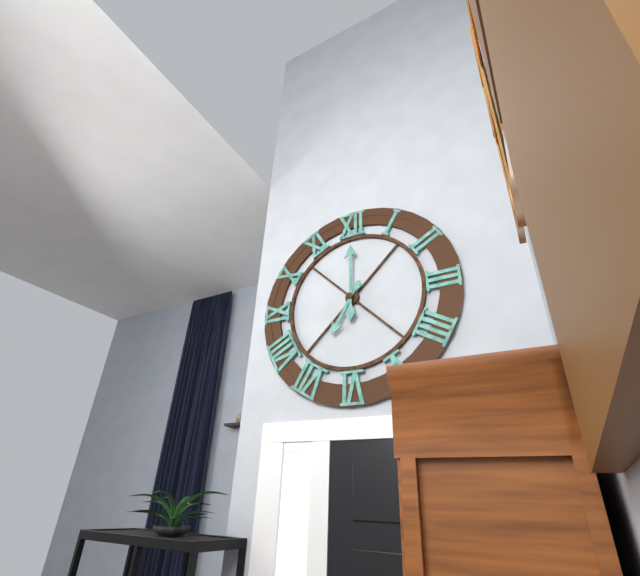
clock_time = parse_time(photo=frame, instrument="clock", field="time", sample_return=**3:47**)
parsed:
**7:00**
